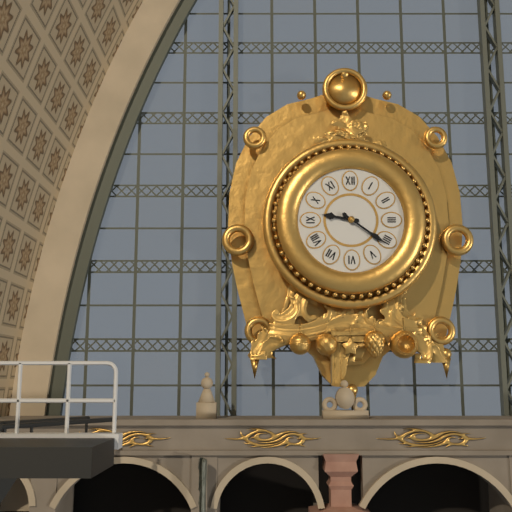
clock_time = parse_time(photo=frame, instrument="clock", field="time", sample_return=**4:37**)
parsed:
**9:21**
